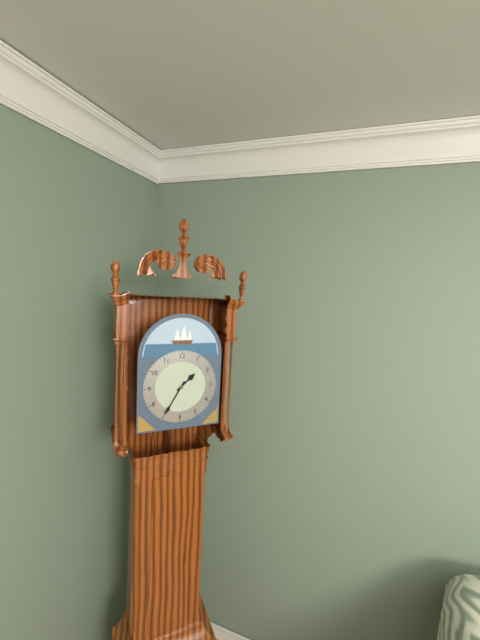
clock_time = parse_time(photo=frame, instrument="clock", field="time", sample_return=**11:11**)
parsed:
**1:35**
